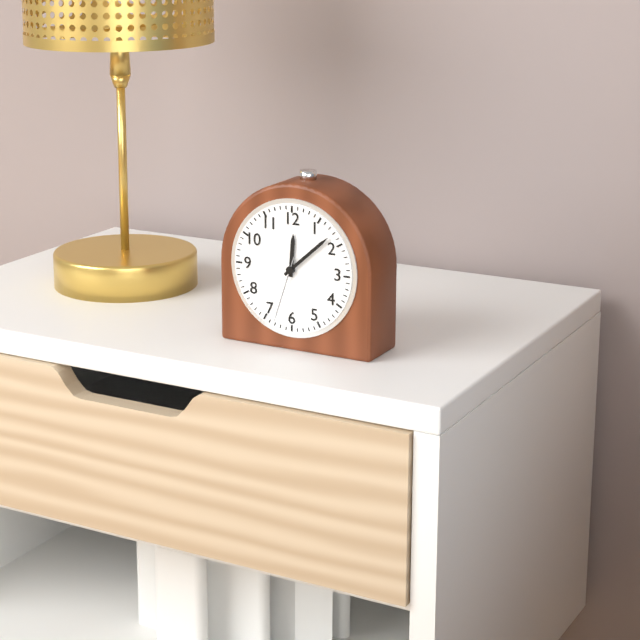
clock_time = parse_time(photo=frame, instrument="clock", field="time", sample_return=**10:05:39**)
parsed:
**12:08:33**
